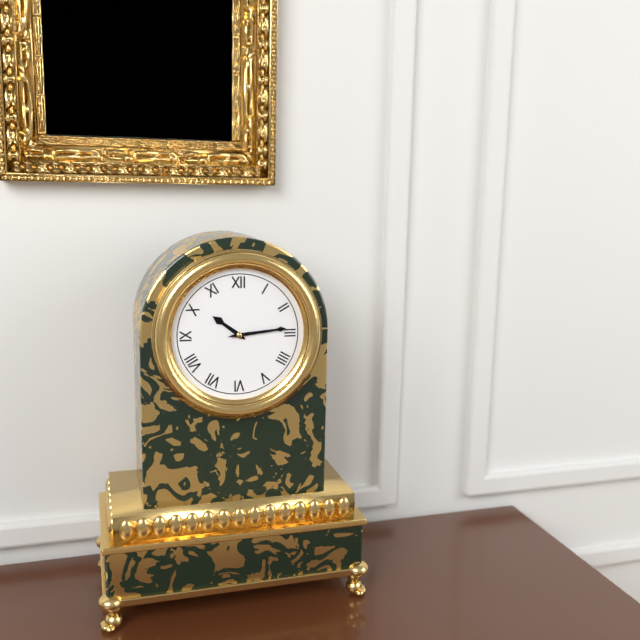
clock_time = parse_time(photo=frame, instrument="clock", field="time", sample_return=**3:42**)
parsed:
**10:14**
